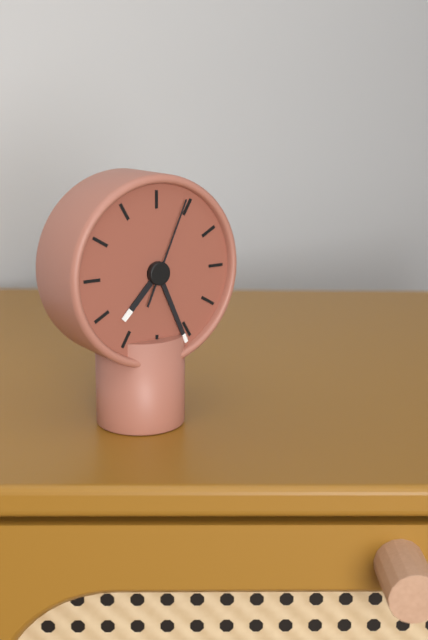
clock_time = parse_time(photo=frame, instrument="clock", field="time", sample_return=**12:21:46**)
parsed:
**7:26:04**
